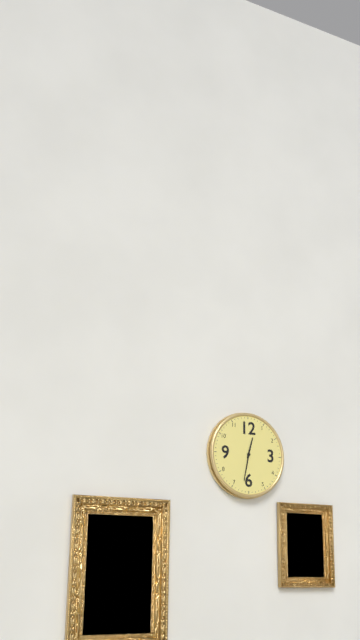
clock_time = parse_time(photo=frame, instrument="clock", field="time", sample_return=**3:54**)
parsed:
**12:32**
